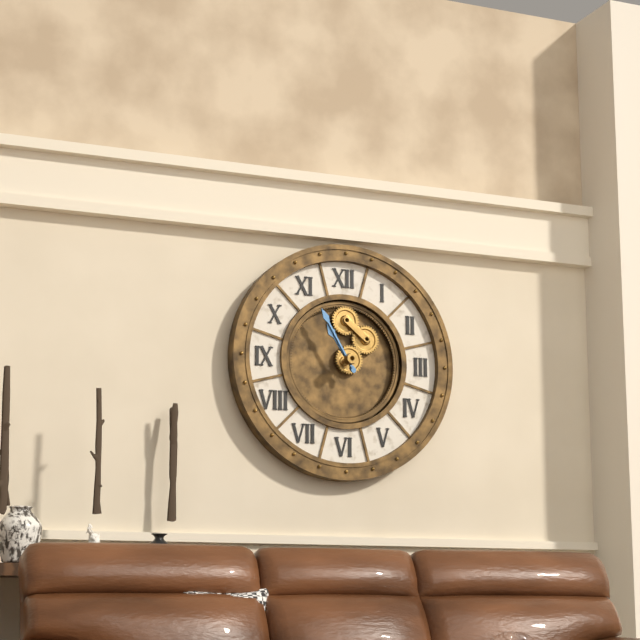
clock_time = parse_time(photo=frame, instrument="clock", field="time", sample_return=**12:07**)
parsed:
**10:55**
